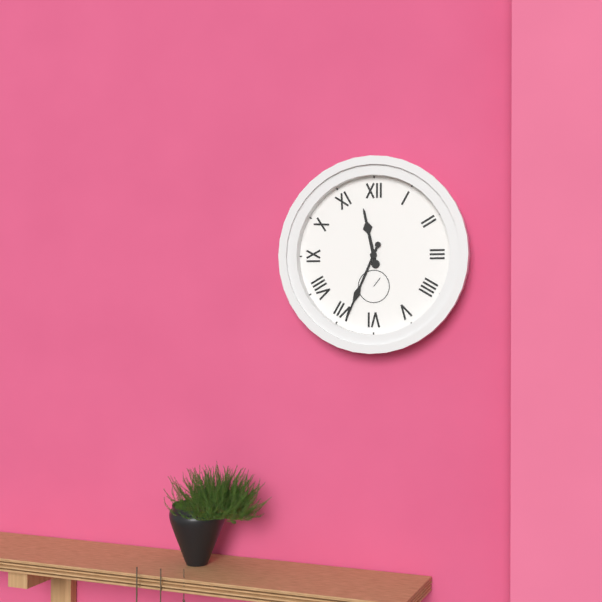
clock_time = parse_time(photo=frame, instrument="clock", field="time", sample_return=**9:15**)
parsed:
**11:34**
